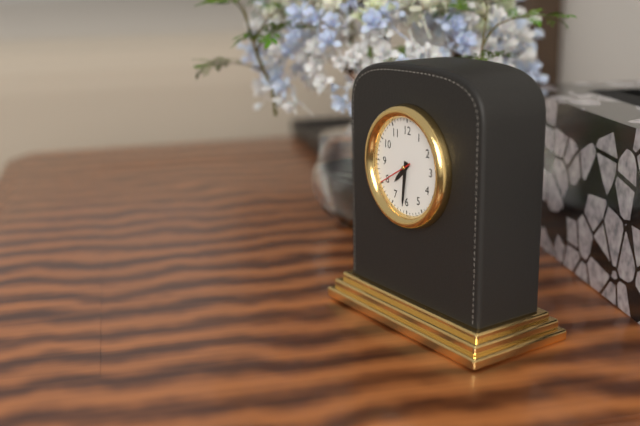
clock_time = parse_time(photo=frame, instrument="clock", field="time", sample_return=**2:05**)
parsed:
**7:31**
